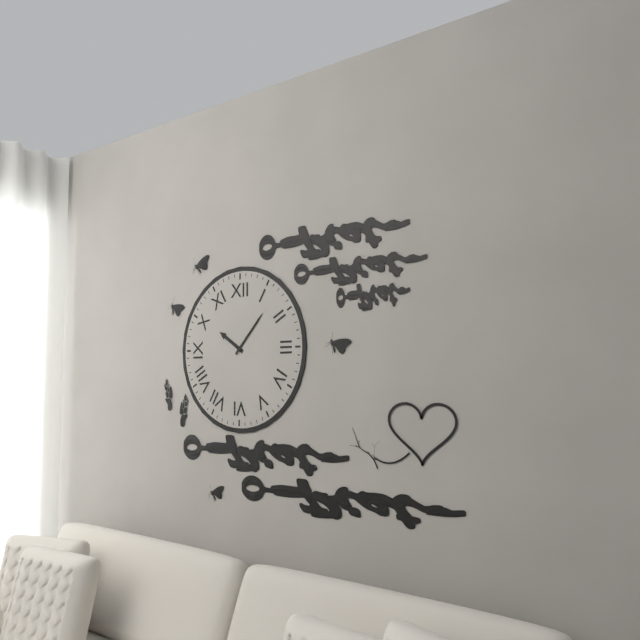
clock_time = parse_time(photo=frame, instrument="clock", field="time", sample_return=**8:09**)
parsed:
**10:07**
